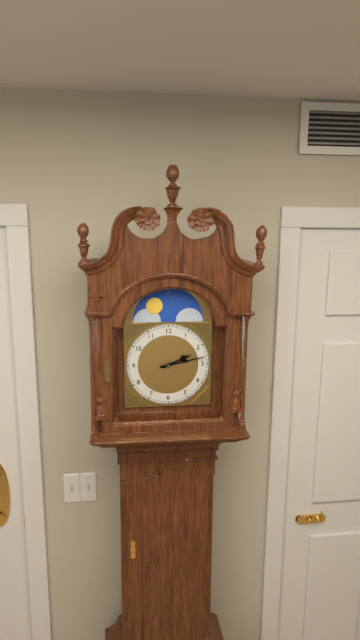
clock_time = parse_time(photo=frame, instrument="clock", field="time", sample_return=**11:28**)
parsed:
**2:13**
